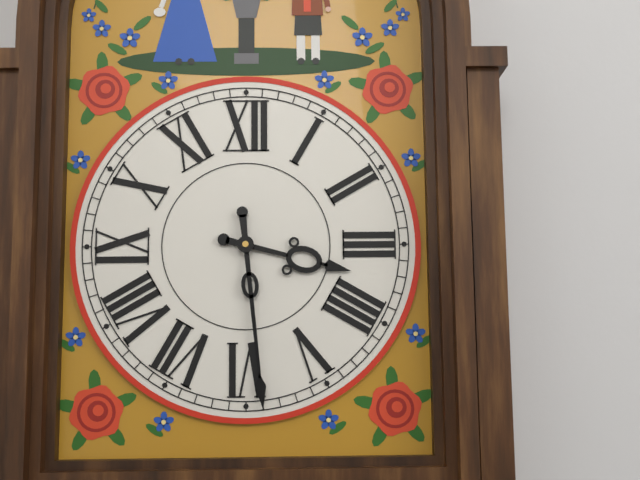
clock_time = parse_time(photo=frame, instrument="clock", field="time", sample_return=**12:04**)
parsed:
**3:29**
